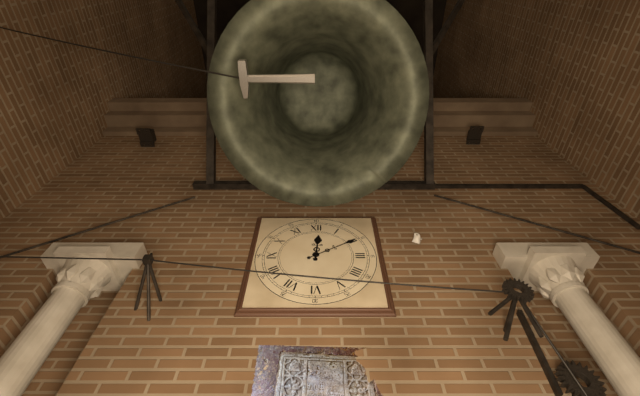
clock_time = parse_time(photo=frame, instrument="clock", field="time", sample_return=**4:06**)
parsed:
**12:10**
